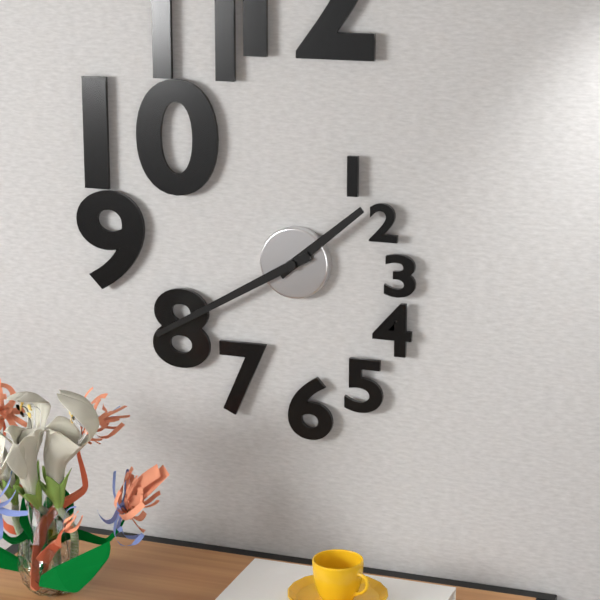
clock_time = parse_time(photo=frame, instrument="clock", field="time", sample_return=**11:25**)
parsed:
**1:40**
